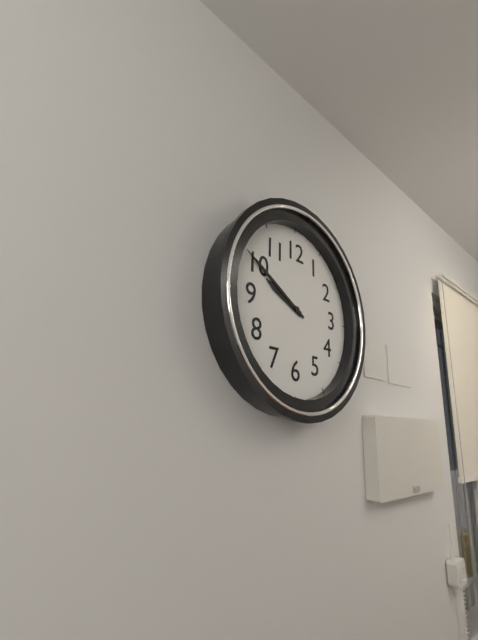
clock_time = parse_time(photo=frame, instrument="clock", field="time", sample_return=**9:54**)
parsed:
**9:50**
